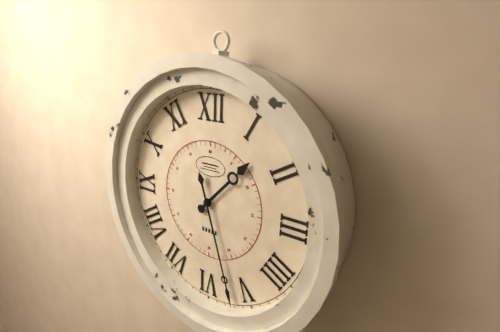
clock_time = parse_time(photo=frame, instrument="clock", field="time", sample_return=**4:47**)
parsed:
**1:27**
